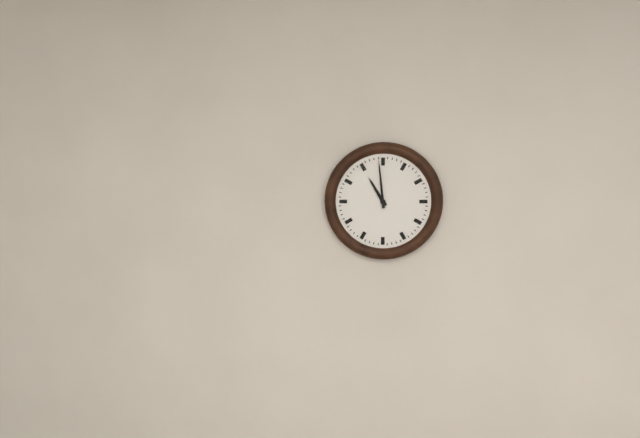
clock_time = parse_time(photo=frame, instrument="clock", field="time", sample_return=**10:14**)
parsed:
**10:59**
